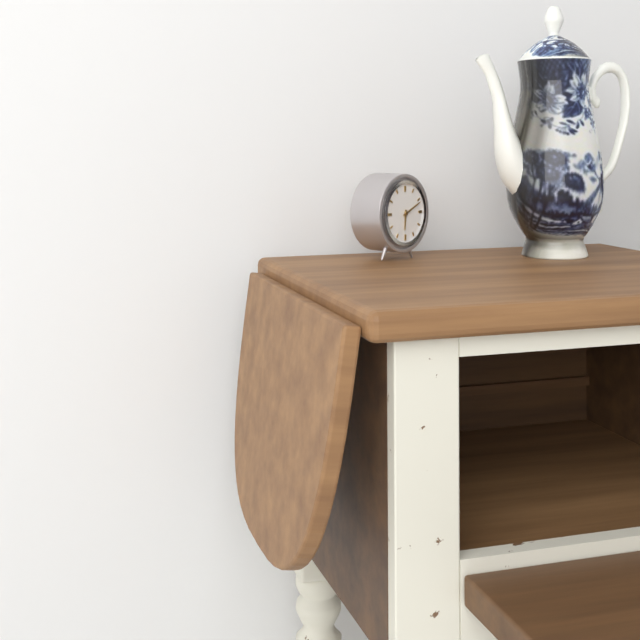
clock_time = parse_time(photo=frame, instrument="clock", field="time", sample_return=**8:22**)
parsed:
**6:11**
